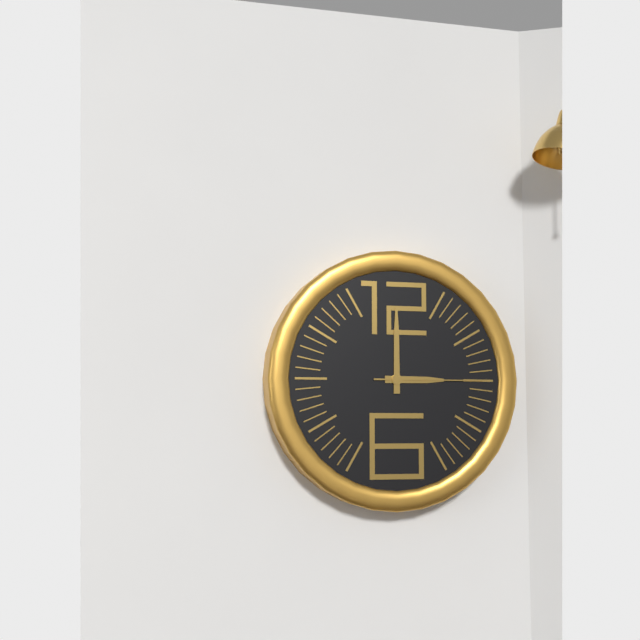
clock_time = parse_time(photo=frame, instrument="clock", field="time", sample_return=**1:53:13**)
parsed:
**3:00:15**
